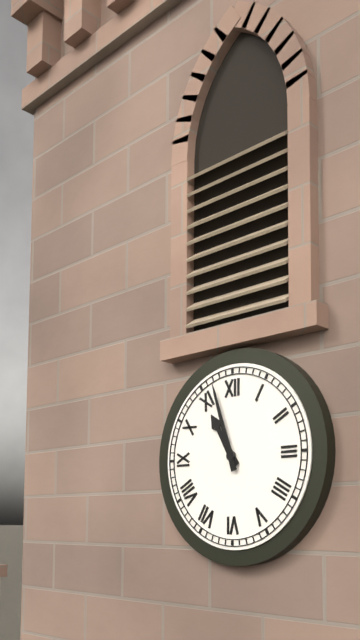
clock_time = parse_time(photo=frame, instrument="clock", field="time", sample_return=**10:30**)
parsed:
**10:57**
